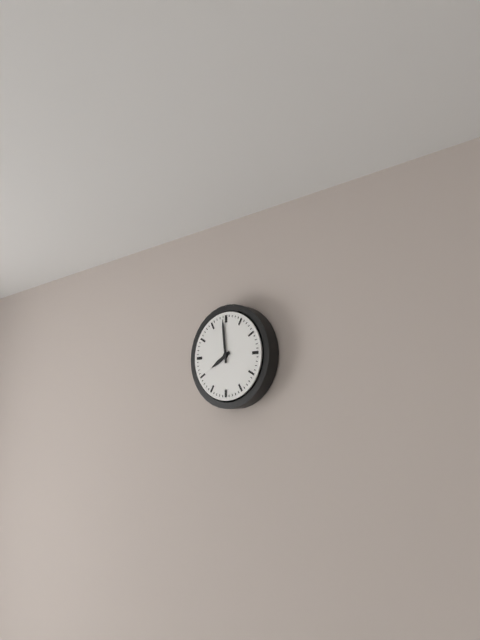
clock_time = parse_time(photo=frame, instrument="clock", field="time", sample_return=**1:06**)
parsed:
**7:59**
